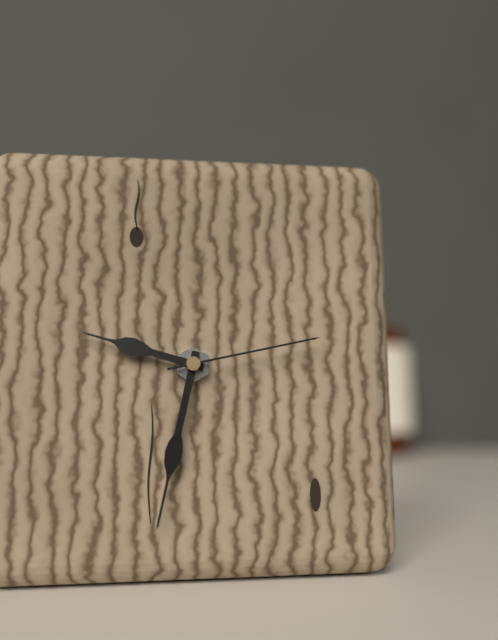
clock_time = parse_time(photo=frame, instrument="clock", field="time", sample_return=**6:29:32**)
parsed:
**9:32:13**
